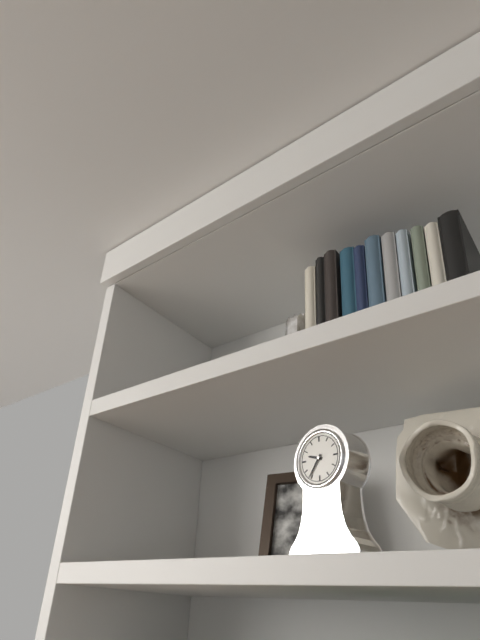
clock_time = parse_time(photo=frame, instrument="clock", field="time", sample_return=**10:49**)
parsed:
**9:36**
